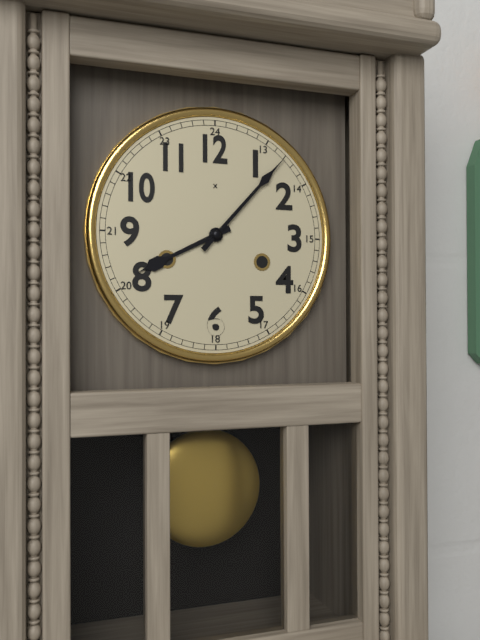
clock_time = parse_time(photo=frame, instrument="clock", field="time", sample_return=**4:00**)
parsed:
**8:07**
